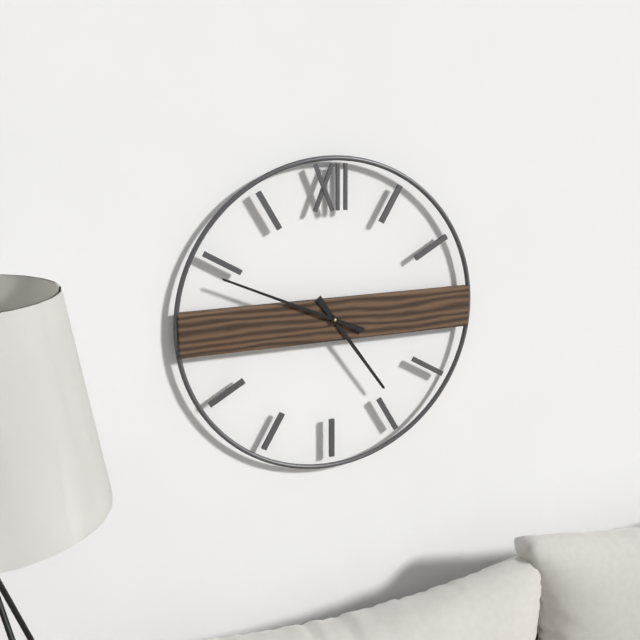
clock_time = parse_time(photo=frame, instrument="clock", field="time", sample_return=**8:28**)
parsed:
**4:49**
